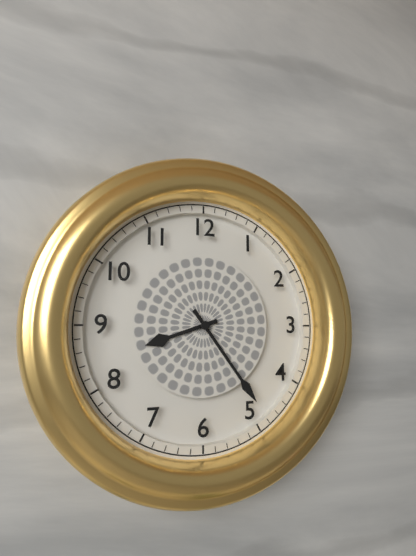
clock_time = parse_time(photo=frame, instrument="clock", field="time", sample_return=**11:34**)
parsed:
**8:24**
